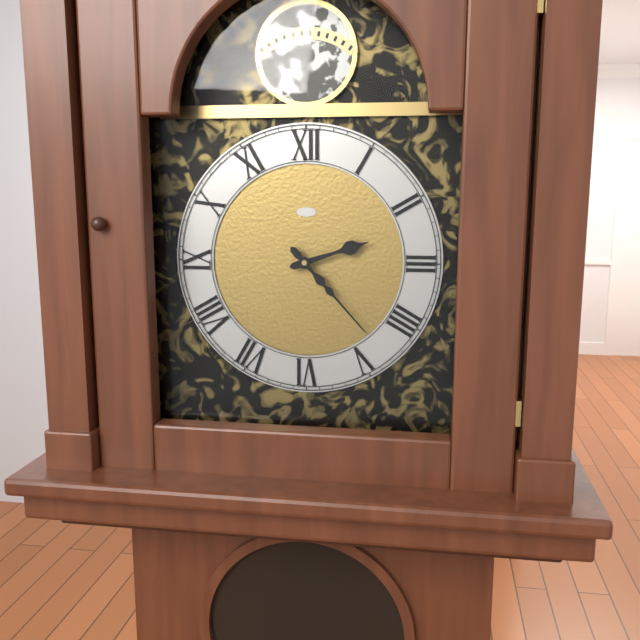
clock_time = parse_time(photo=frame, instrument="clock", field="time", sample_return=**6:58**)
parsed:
**2:23**
